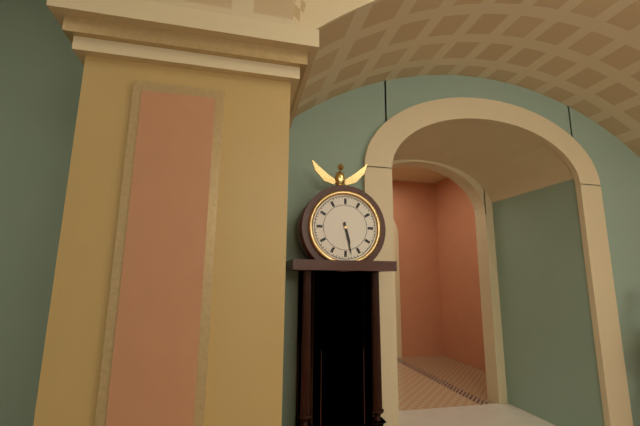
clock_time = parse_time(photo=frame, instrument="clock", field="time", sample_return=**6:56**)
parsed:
**5:28**
